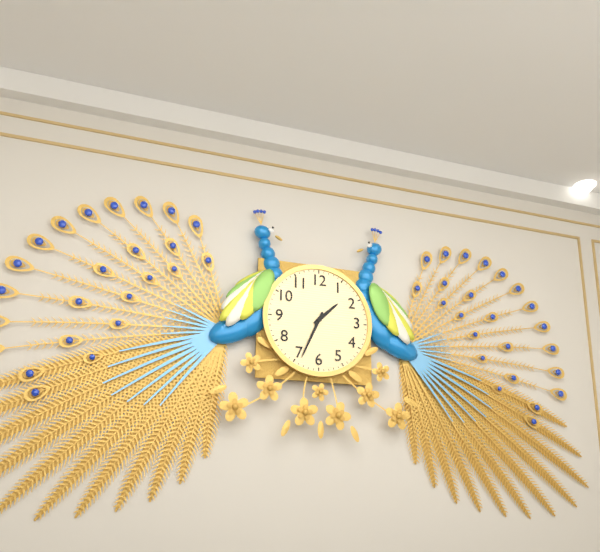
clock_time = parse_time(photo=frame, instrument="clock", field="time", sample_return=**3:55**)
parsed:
**1:34**
